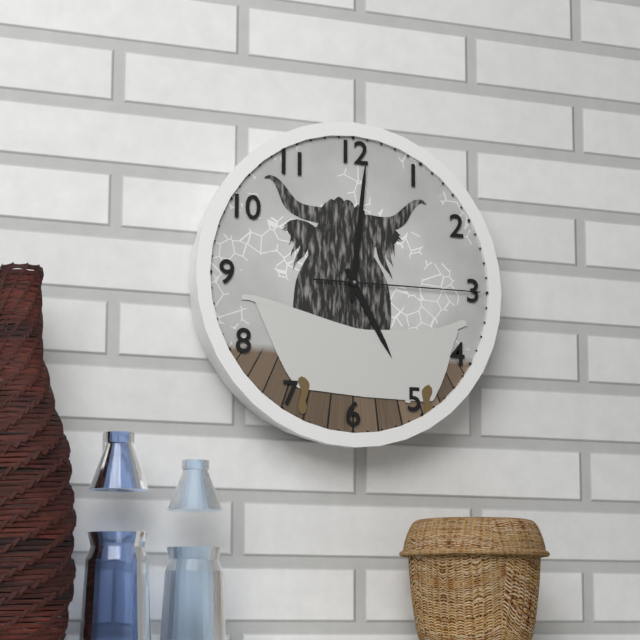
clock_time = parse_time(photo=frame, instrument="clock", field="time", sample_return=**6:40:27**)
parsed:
**5:01:15**
